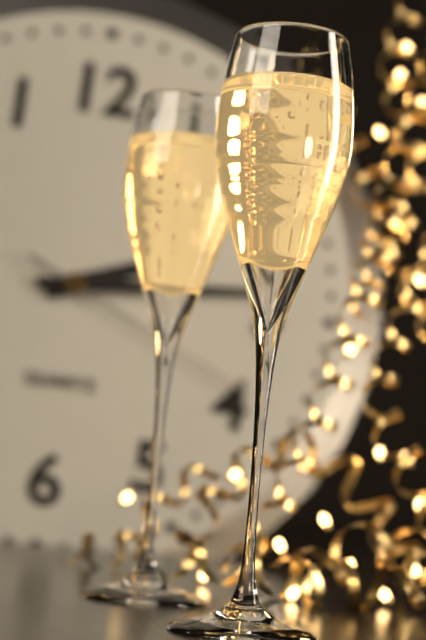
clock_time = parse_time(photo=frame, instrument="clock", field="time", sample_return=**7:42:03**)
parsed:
**2:14:19**
